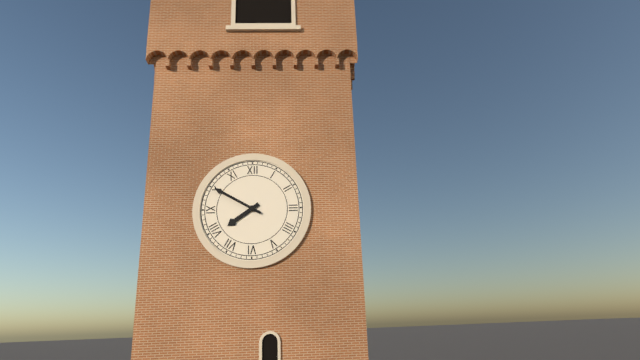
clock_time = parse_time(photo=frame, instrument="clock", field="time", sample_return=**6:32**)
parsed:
**7:50**
